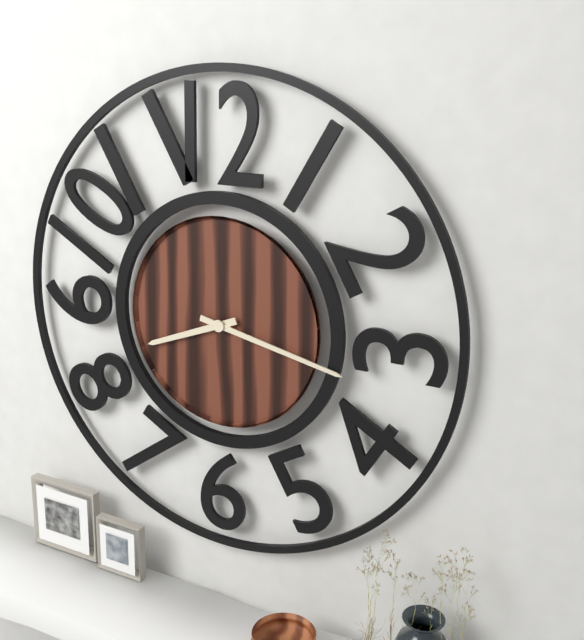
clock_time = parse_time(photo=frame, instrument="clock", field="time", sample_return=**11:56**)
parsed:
**8:17**
